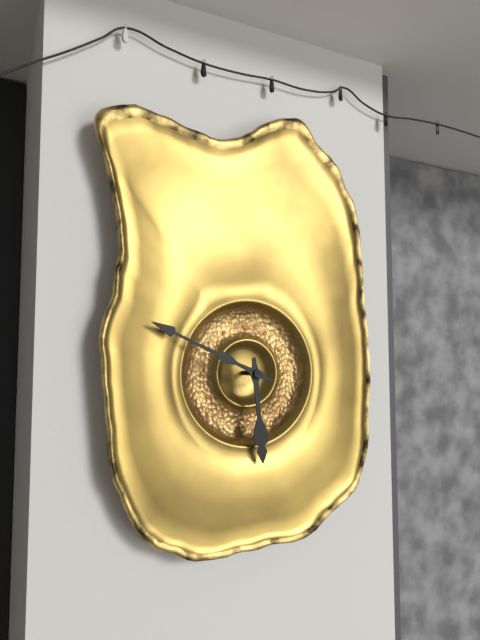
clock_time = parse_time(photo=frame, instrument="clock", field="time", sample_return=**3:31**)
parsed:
**5:49**
